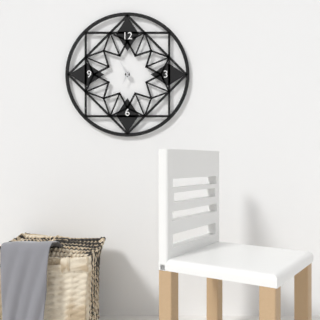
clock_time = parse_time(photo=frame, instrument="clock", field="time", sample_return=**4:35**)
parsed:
**6:55**
